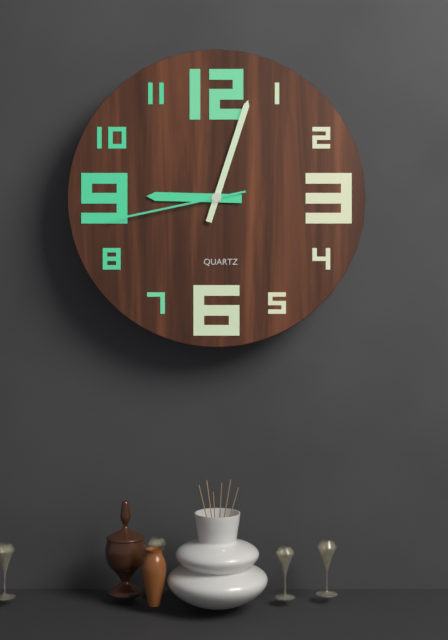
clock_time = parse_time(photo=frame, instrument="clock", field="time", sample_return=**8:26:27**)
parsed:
**9:03:43**
